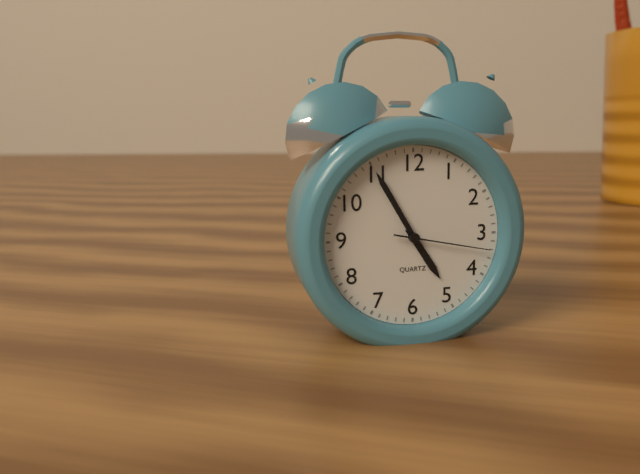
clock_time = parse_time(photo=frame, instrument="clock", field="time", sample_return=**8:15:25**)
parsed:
**4:55:17**
